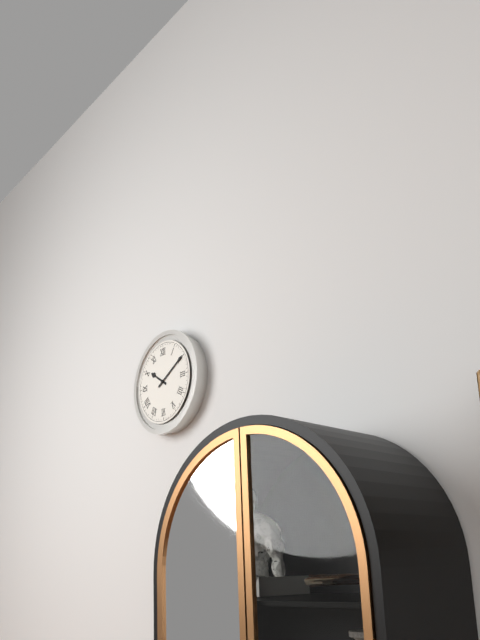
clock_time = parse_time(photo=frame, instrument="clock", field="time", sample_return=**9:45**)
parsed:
**10:10**
